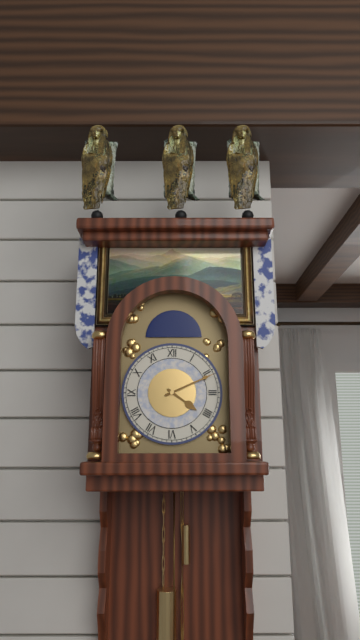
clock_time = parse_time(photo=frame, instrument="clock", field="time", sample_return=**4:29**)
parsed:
**4:11**
